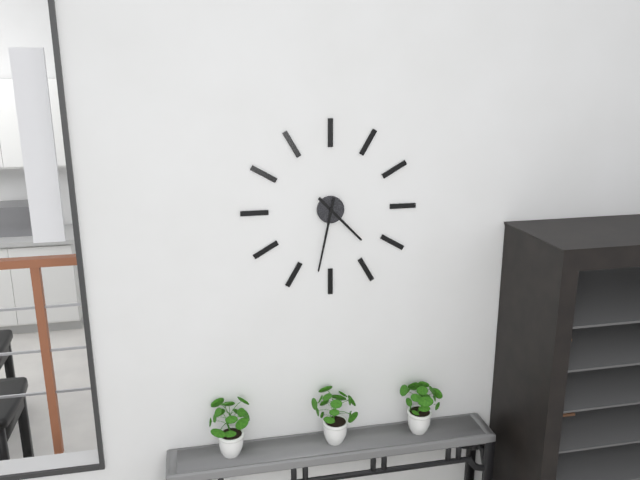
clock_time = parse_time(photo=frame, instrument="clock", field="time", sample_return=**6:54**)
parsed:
**4:32**
